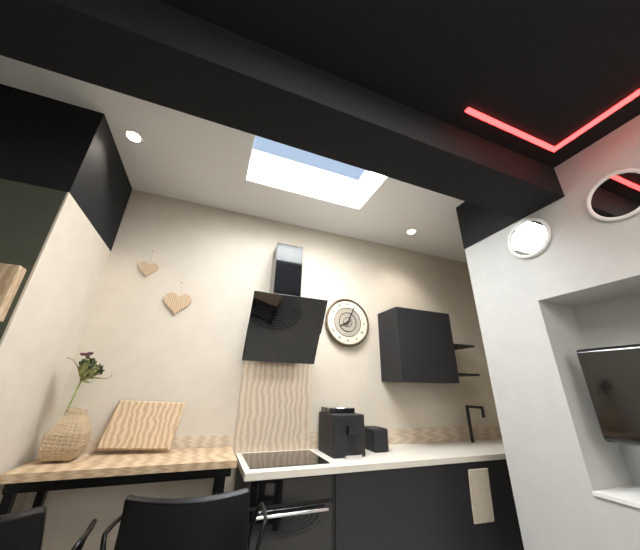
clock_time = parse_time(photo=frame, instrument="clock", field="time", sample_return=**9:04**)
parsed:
**8:04**
